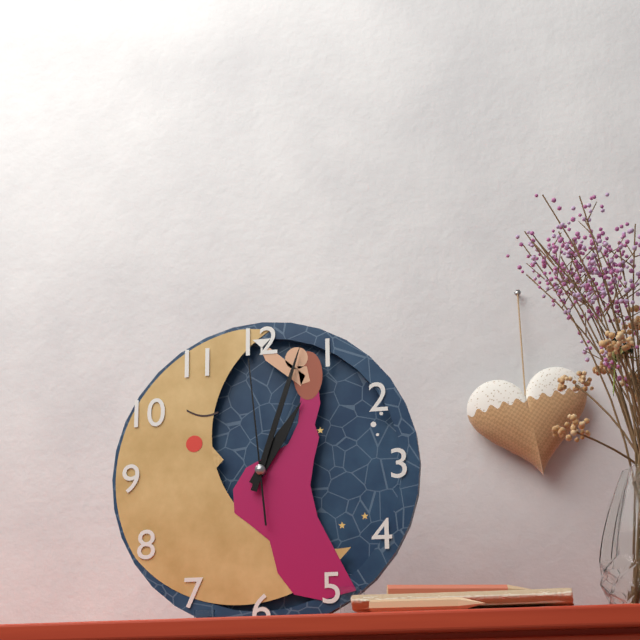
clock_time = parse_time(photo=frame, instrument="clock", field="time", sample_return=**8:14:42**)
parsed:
**1:03:59**
